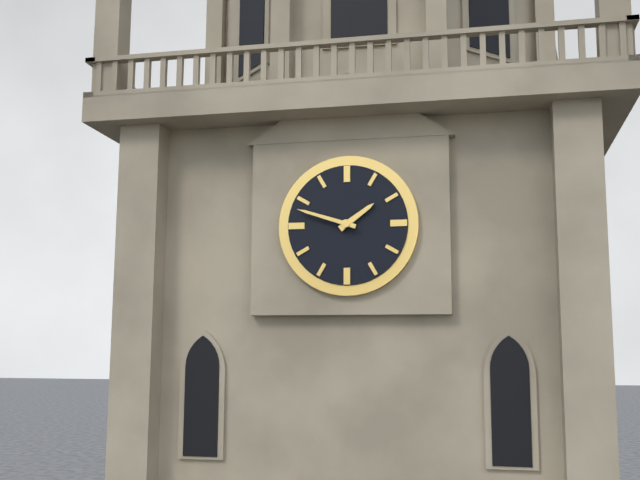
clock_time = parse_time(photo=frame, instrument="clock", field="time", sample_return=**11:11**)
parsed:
**1:48**
